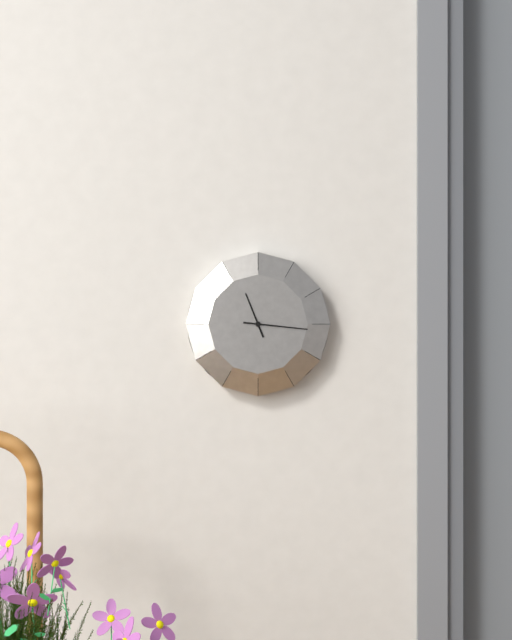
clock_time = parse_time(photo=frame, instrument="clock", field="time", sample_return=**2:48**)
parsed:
**11:16**
